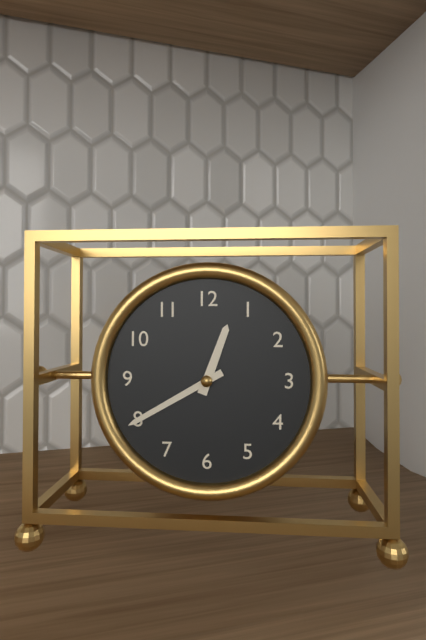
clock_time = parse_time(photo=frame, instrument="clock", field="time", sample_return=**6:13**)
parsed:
**12:40**
